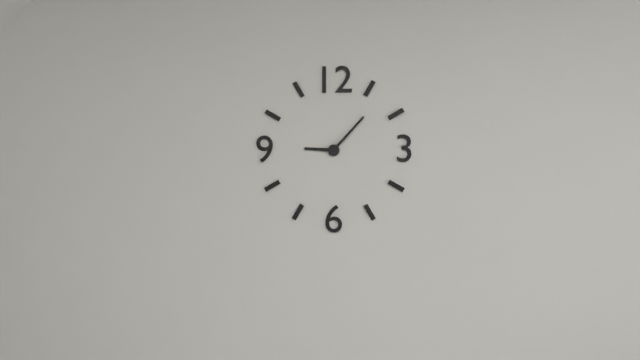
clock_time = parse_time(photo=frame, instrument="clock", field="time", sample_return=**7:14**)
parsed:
**9:07**
